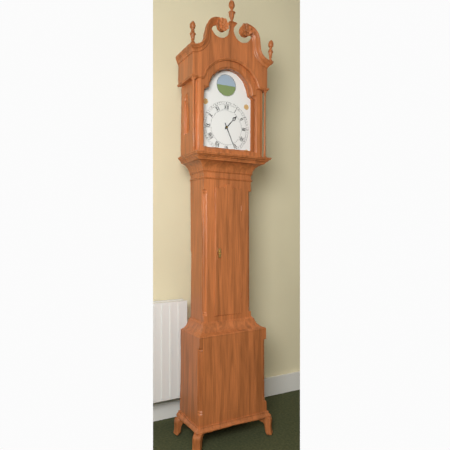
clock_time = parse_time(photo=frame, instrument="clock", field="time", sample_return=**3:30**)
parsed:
**1:26**
